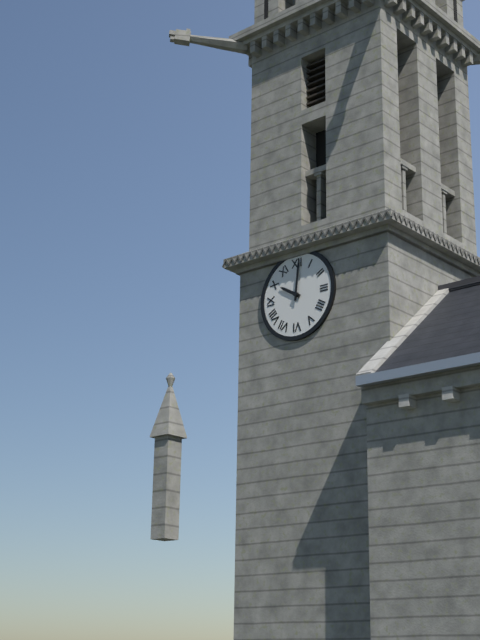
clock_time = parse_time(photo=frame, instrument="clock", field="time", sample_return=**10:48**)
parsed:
**10:01**
